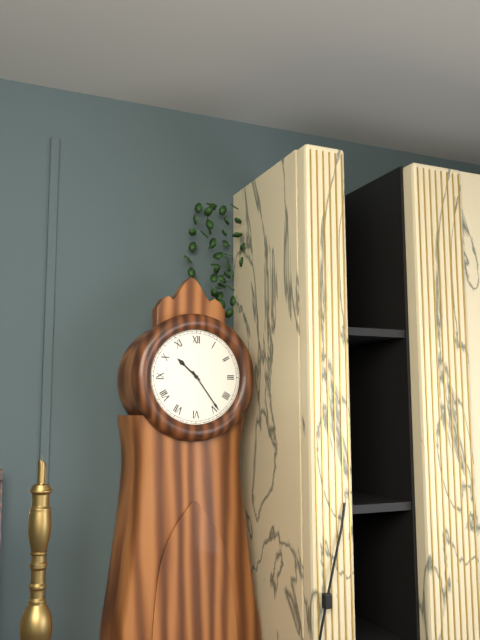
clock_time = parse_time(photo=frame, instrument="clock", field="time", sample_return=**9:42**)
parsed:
**10:24**
